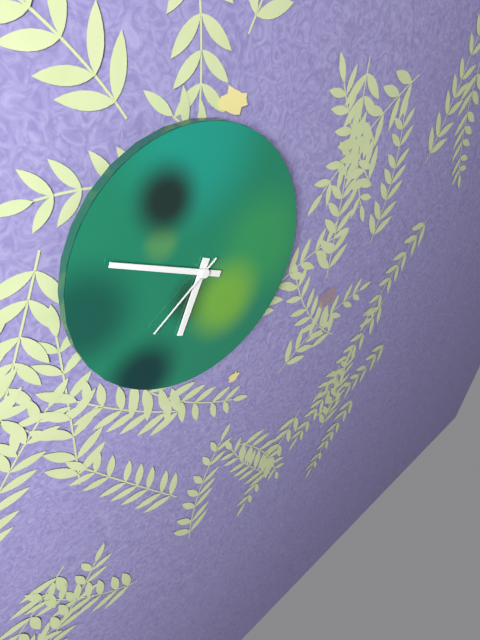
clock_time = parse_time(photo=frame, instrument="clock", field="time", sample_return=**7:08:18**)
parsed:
**6:49:39**
